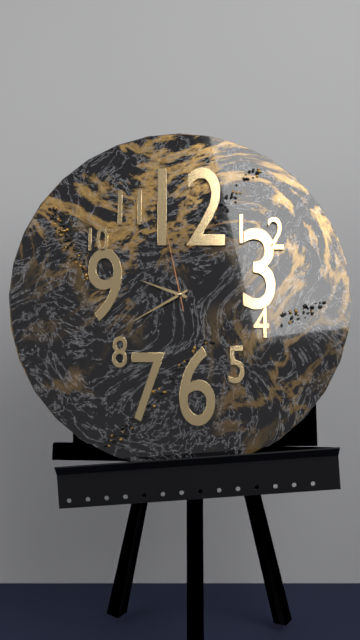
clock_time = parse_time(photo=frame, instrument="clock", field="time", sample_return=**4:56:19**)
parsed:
**9:40:58**
